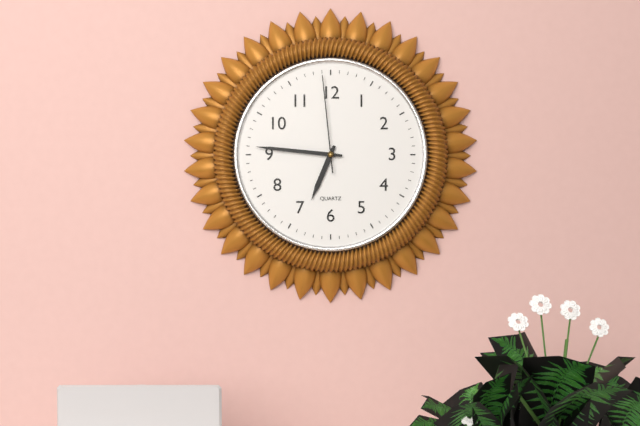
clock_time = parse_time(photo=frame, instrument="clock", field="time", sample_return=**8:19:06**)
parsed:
**6:46:59**
